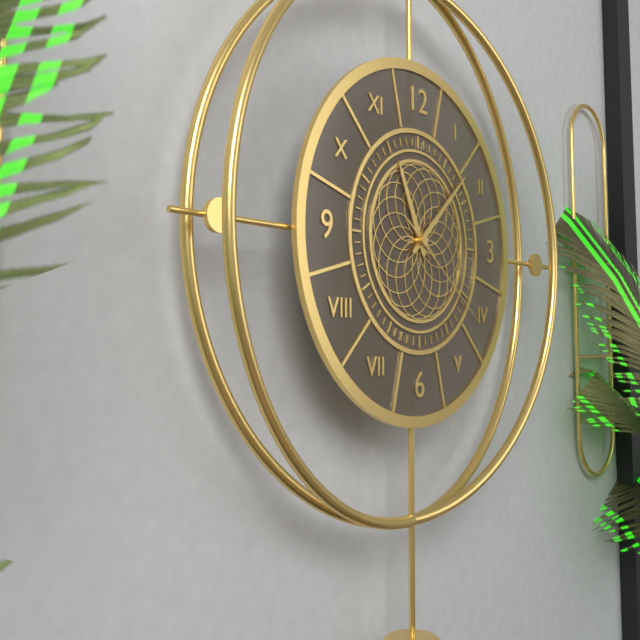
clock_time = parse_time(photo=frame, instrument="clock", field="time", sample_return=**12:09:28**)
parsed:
**11:08:21**
